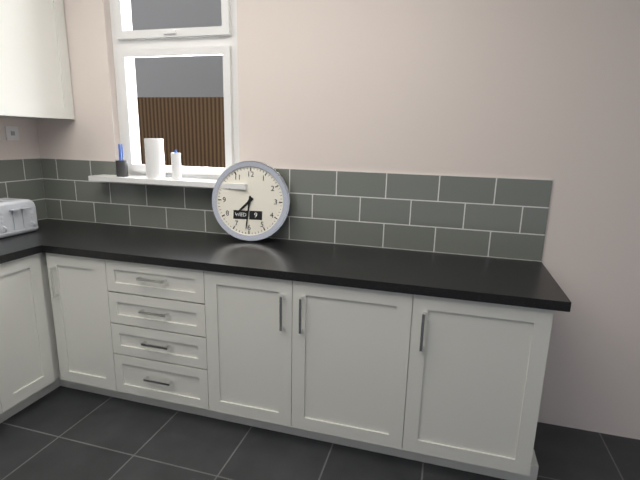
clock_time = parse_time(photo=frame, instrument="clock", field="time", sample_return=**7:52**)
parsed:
**7:31**
